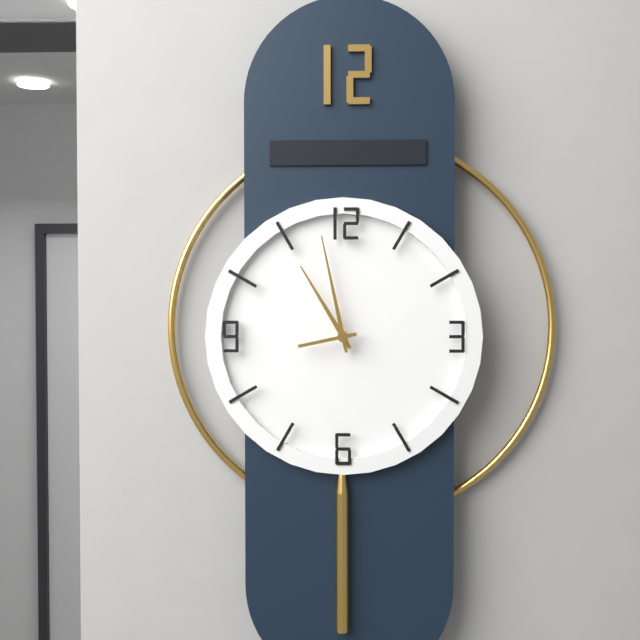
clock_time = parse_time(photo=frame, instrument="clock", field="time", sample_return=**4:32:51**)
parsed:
**10:58:43**
